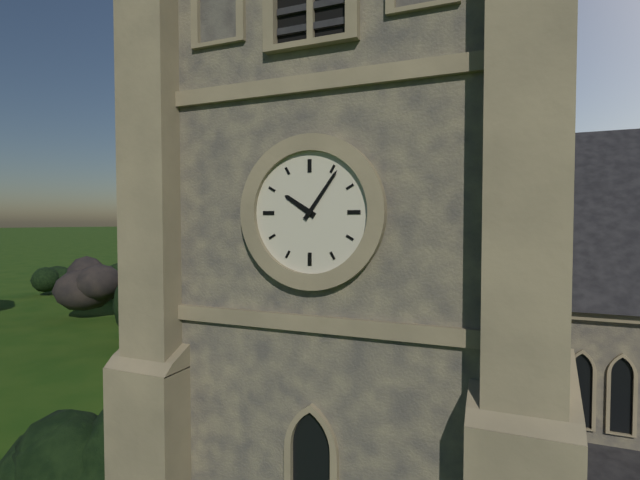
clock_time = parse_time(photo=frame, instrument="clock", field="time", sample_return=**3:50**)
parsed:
**10:06**
